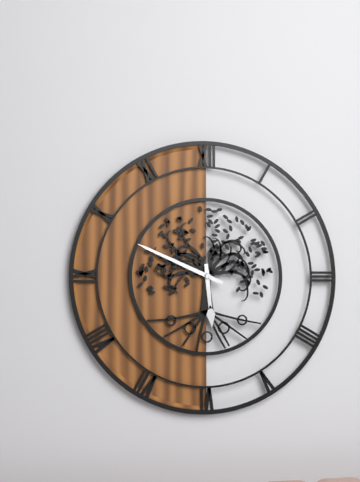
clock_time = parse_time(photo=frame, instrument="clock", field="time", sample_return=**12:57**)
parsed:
**5:49**
